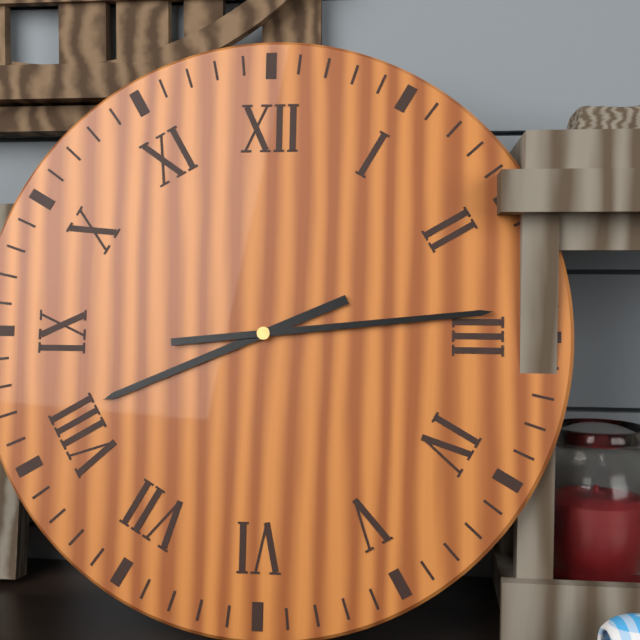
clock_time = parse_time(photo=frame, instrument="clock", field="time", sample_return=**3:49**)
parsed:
**8:14**
